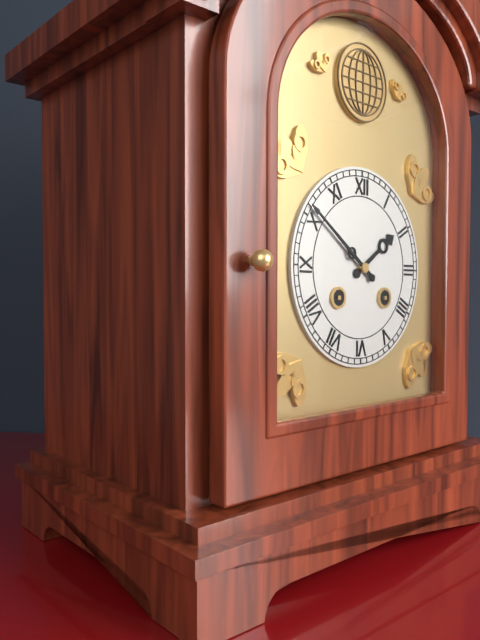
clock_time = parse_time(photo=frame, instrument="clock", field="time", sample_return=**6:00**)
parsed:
**1:51**
